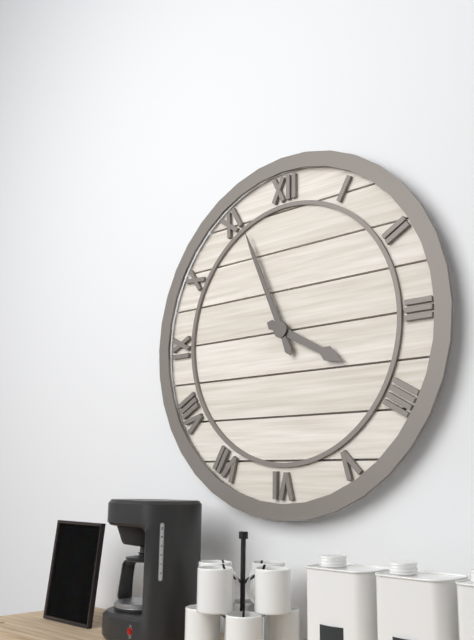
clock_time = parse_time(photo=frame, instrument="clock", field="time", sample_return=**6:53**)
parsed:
**3:56**
